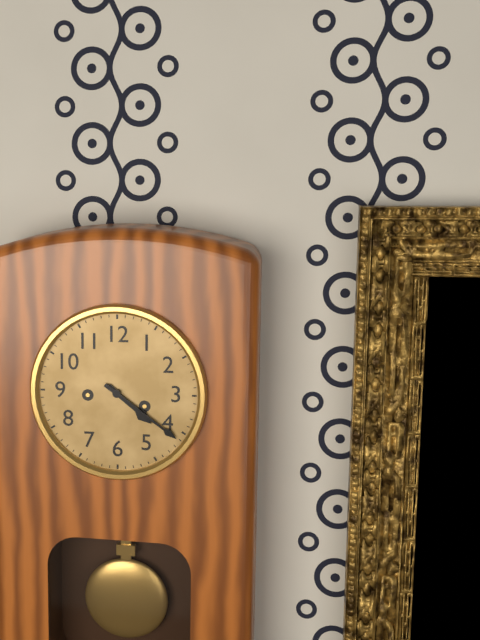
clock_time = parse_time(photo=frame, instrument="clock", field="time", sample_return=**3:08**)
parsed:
**4:21**
